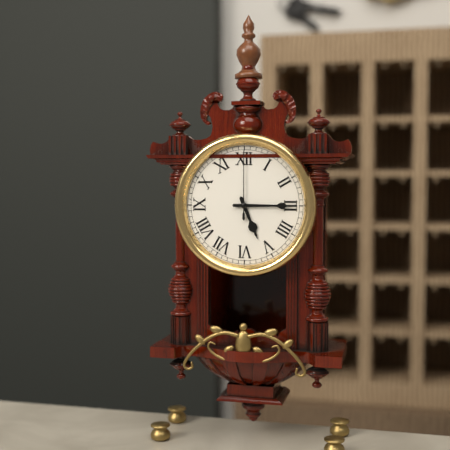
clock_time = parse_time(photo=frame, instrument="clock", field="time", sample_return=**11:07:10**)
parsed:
**5:15:00**
